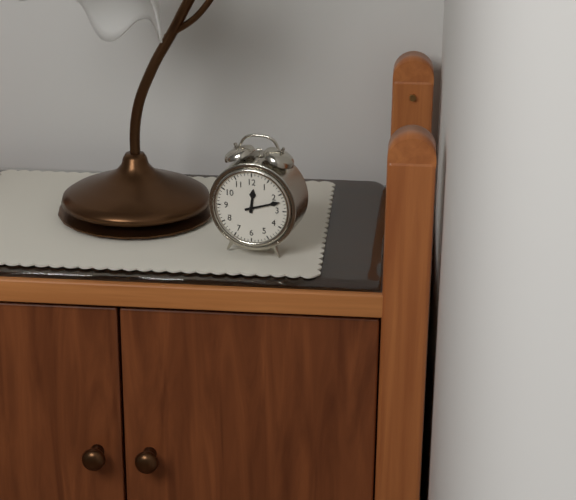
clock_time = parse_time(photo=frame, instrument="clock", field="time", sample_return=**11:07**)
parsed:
**12:12**
